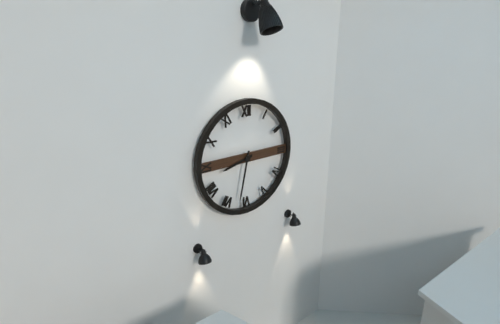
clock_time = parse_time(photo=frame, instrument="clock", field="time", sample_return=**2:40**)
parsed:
**8:32**
